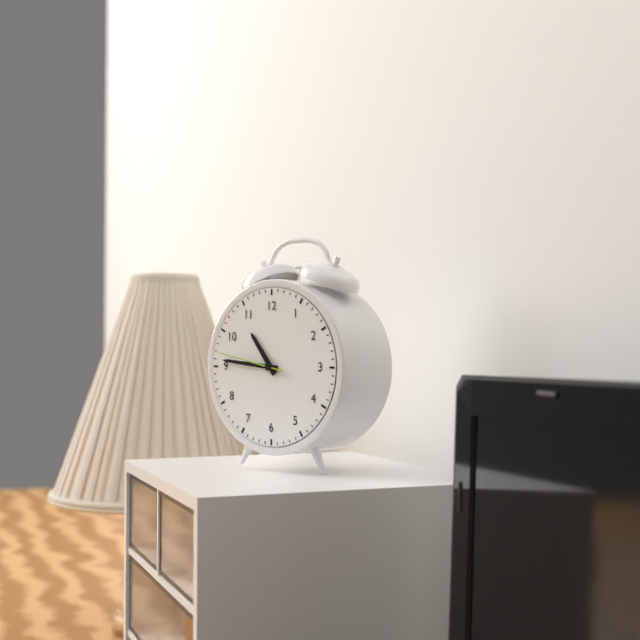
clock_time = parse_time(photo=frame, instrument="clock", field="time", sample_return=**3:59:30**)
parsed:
**10:46:47**
